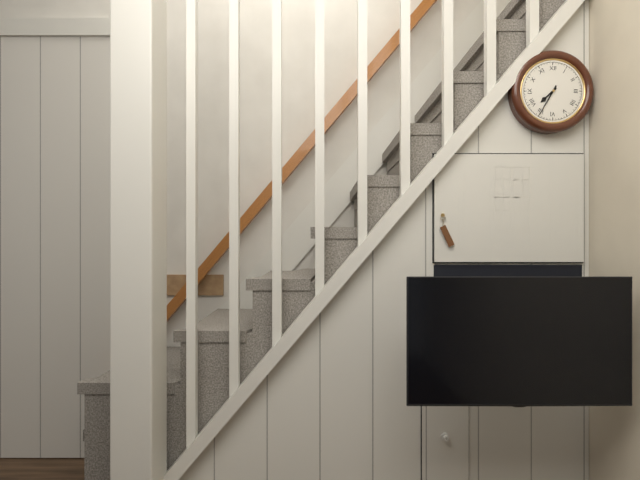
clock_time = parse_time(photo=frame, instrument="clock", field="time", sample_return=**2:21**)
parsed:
**7:35**
